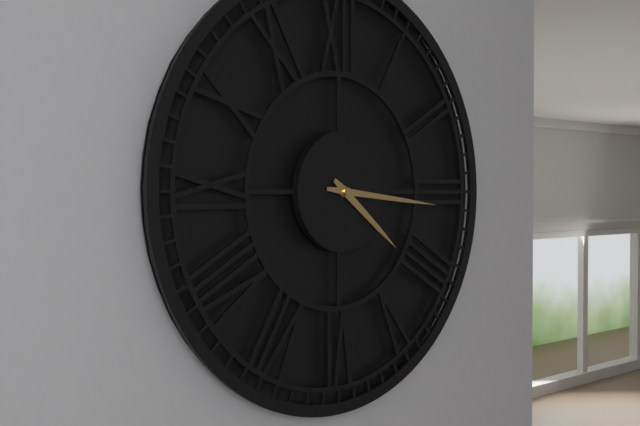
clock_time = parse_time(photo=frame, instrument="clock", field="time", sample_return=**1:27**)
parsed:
**4:16**
